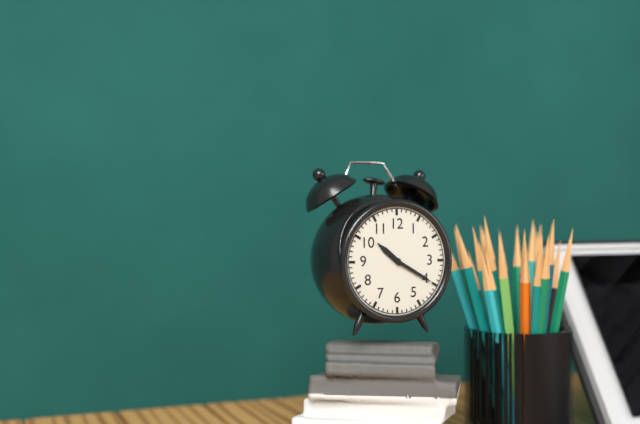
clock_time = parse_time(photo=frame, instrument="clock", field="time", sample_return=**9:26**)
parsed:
**10:20**
